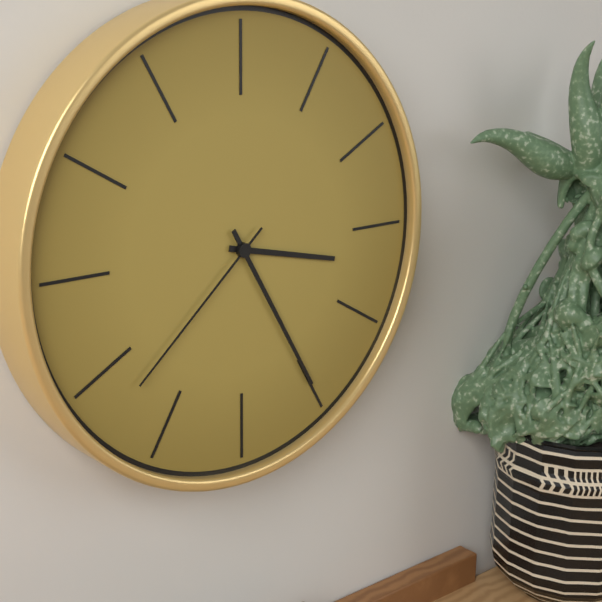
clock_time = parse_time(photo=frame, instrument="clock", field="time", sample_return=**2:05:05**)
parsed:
**3:25:38**
